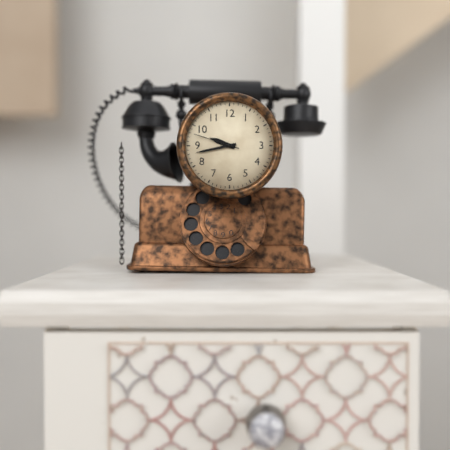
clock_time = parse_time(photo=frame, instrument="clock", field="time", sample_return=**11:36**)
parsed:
**9:43**
